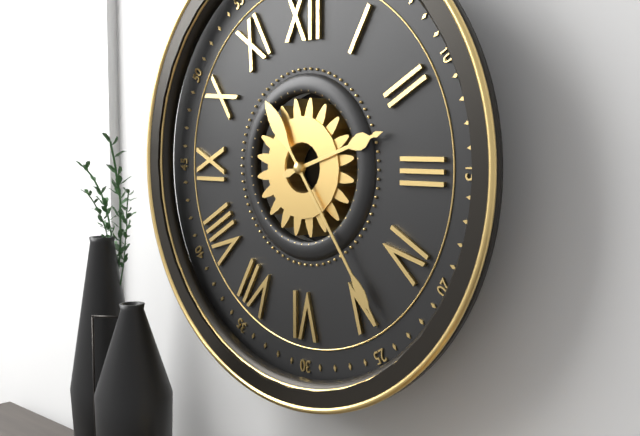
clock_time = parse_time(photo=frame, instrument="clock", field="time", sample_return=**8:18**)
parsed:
**2:24**
